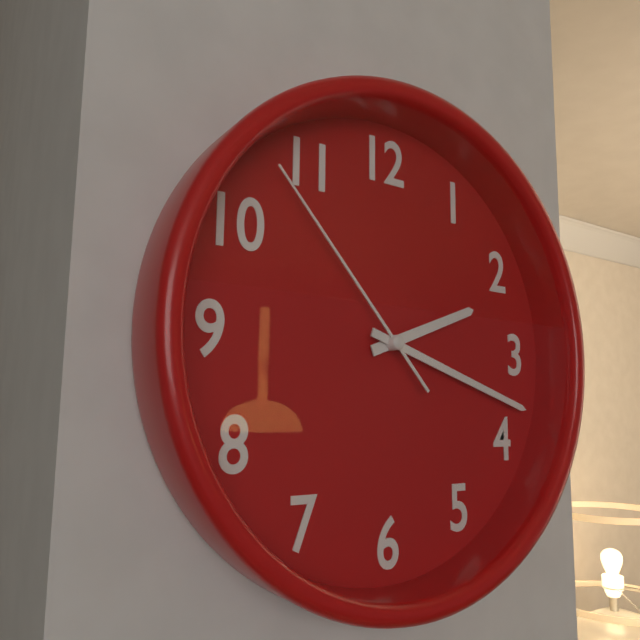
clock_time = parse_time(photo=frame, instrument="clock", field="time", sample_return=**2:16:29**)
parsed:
**2:18:53**
